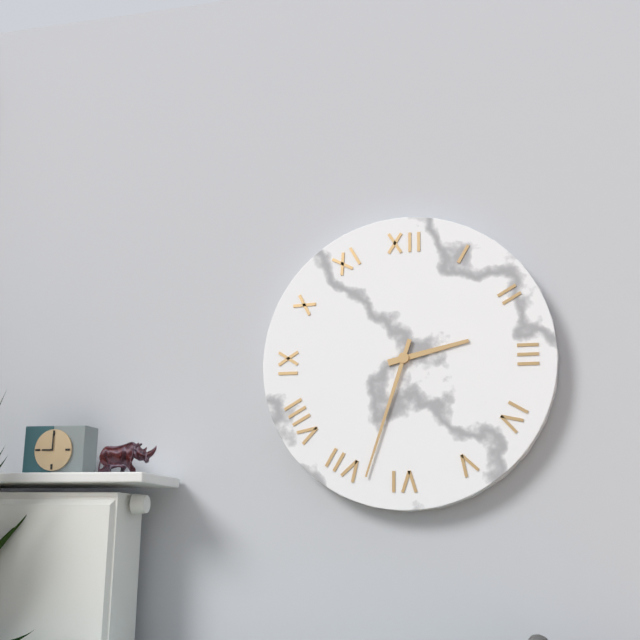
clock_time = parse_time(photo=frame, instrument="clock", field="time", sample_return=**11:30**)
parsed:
**2:33**
